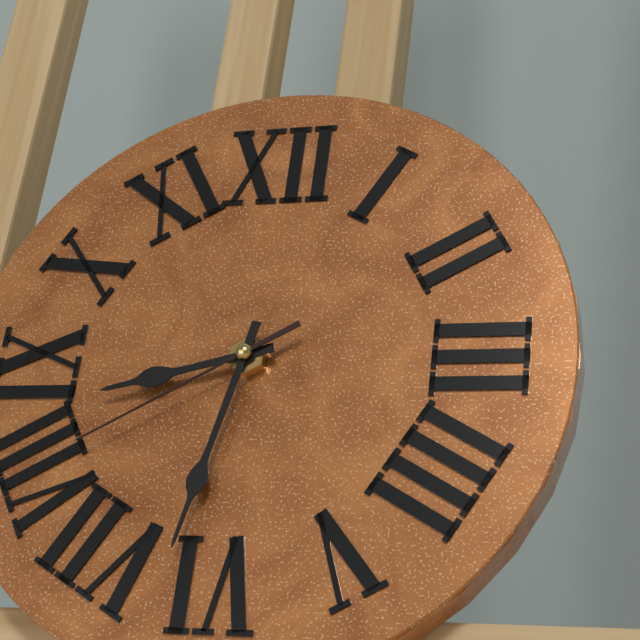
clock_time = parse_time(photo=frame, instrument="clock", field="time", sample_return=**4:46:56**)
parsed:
**8:32:40**
